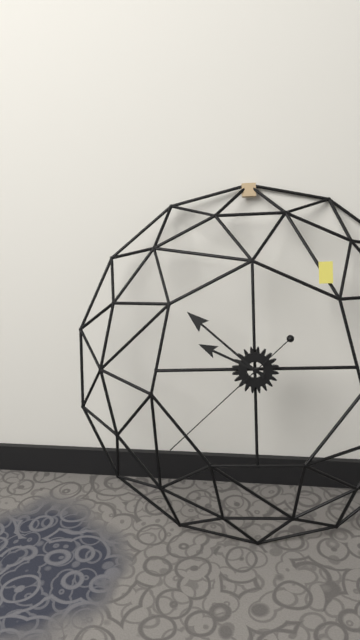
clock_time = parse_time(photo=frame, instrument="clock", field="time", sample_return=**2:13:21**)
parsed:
**9:52:38**
